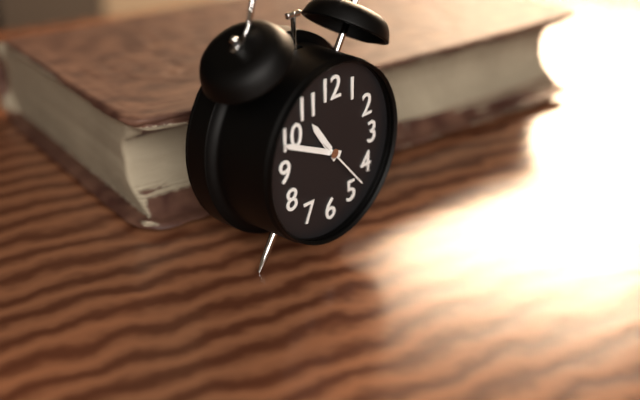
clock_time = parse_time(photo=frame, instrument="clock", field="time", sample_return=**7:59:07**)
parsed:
**10:49:23**
